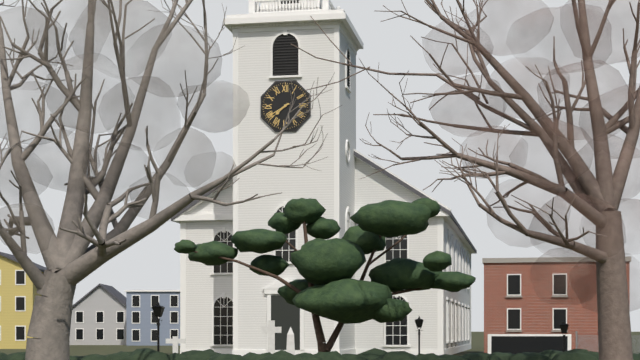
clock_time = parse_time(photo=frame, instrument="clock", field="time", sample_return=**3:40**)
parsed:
**7:40**
